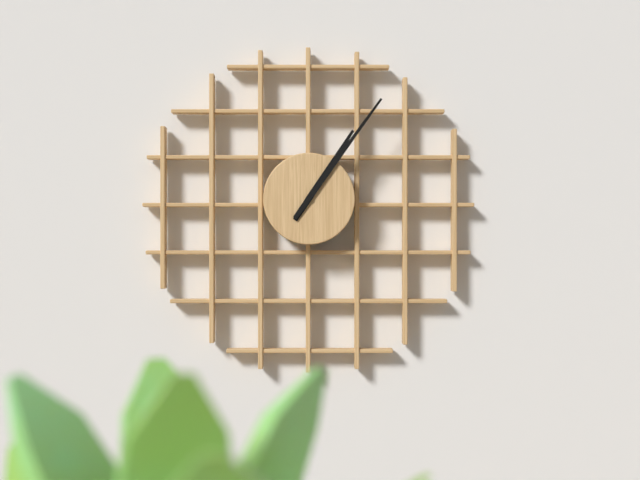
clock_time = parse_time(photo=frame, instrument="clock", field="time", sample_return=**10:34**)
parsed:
**1:06**
